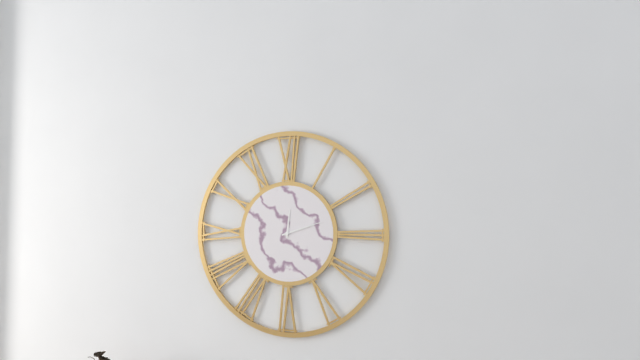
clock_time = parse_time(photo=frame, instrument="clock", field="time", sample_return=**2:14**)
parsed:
**12:12**
